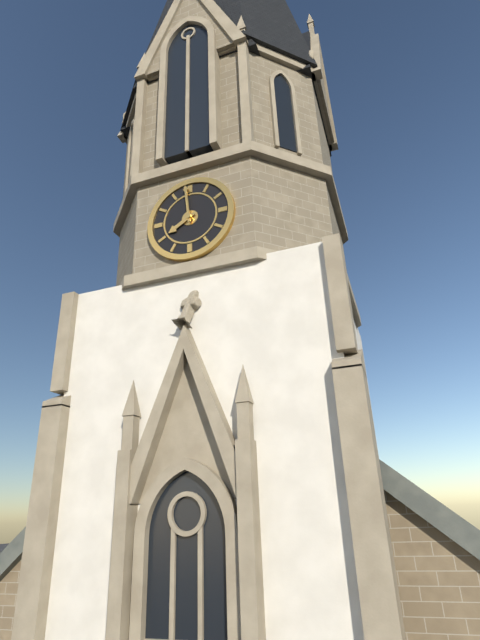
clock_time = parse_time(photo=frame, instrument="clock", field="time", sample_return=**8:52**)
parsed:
**7:59**
